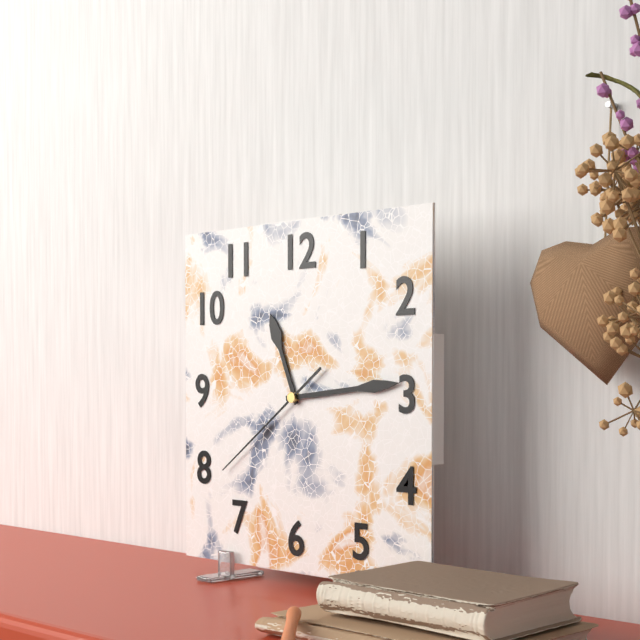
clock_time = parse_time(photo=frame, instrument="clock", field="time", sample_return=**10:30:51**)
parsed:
**11:14:39**
